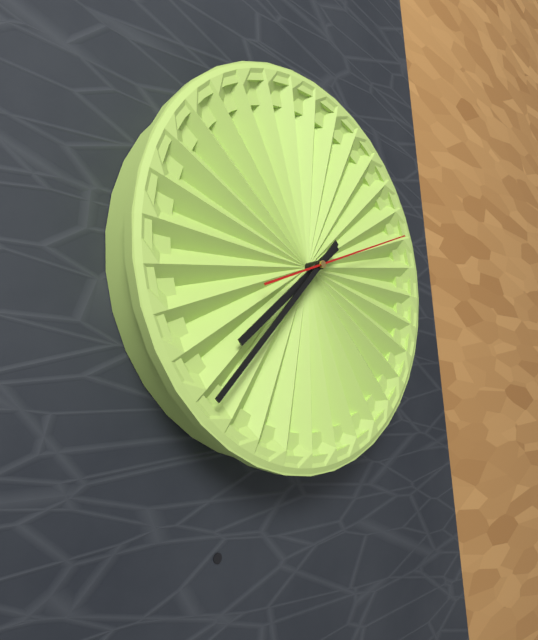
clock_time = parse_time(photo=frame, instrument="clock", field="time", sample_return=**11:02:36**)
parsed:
**7:37:11**
